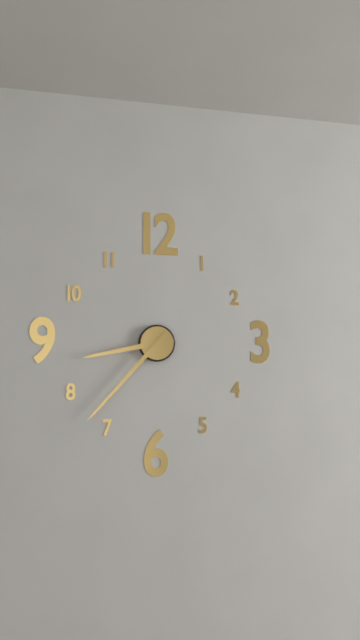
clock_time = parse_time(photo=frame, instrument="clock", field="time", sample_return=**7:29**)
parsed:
**8:37**
